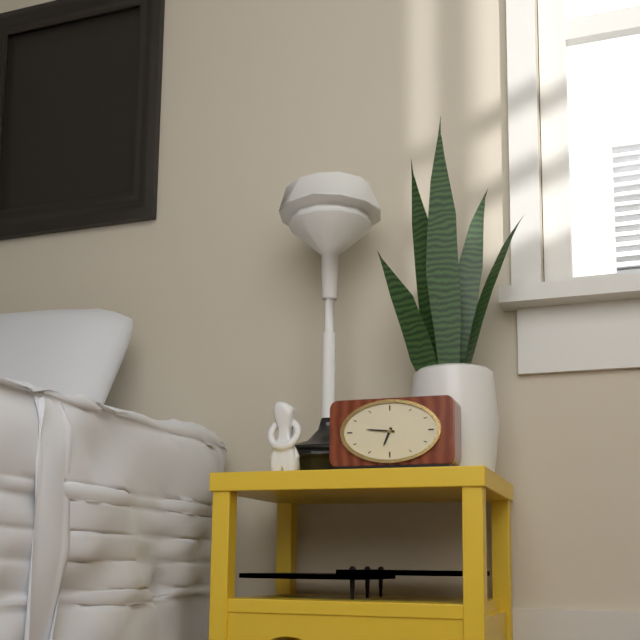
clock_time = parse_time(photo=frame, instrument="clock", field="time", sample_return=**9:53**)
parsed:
**6:46**
